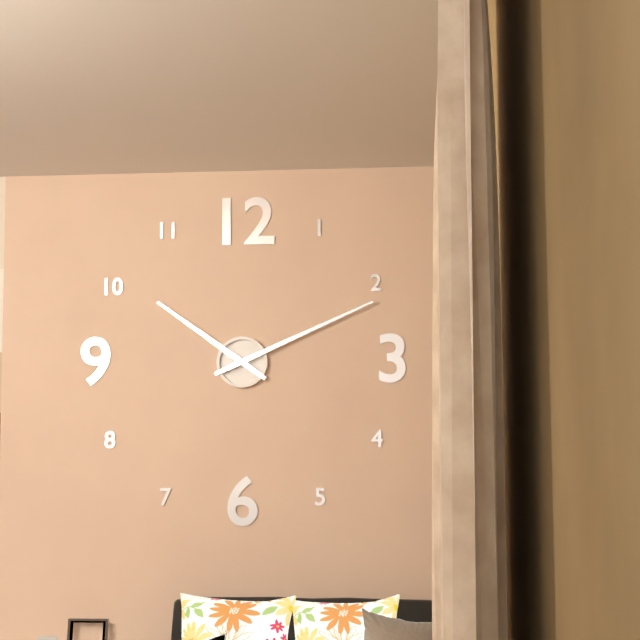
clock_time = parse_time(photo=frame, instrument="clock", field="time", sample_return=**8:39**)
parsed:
**10:11**
